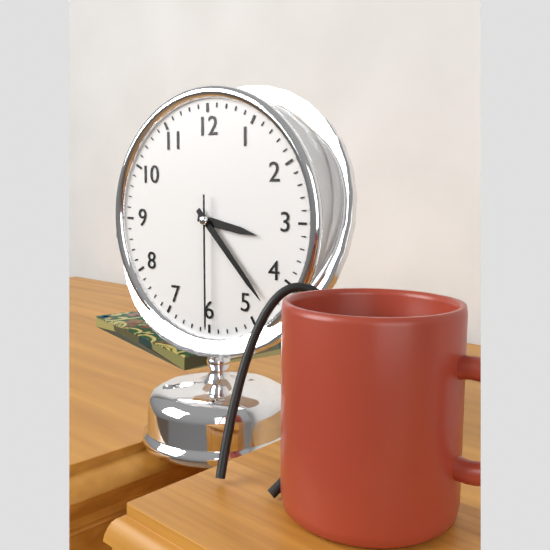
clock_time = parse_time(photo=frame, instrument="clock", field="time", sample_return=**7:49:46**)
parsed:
**3:23:30**
